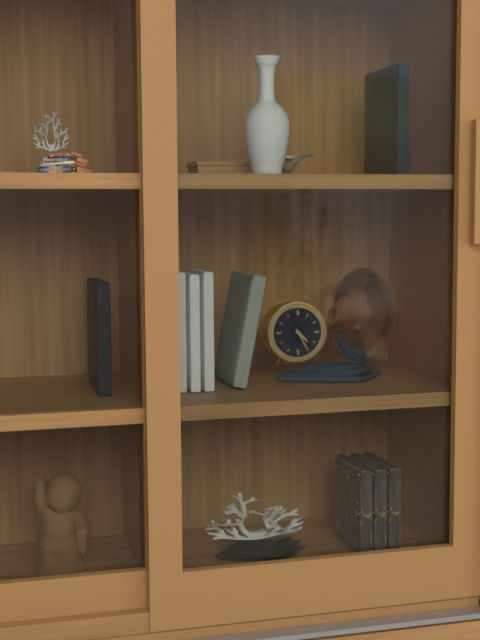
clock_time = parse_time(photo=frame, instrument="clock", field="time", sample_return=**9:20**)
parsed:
**4:25**
